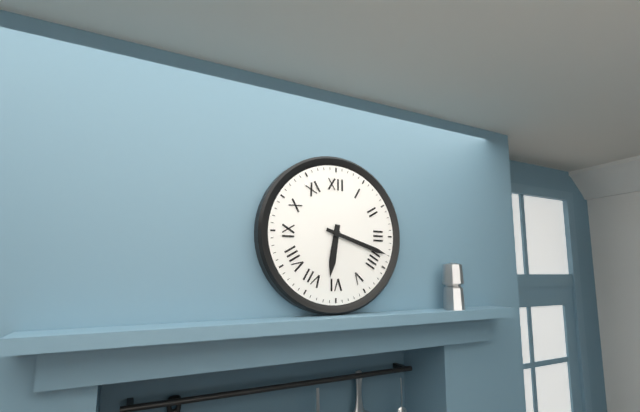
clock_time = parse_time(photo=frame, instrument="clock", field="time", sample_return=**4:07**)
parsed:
**6:18**
